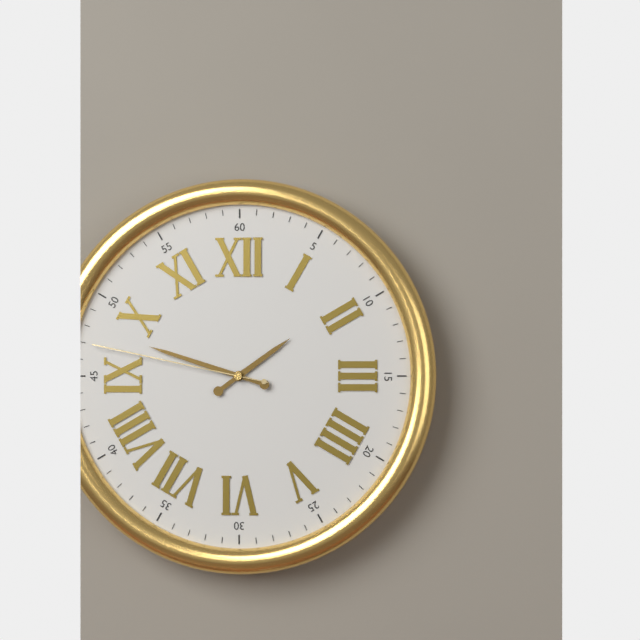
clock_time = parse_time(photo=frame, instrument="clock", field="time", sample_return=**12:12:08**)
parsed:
**1:48:47**
